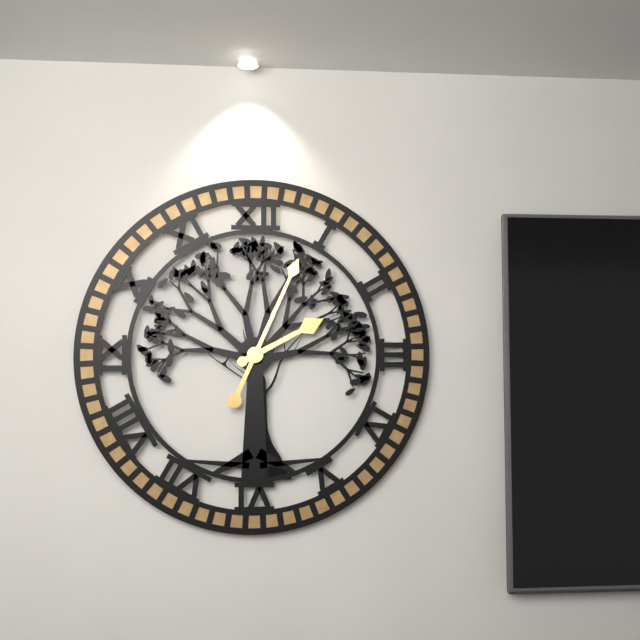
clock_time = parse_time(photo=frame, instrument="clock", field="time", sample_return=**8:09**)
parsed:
**2:04**
